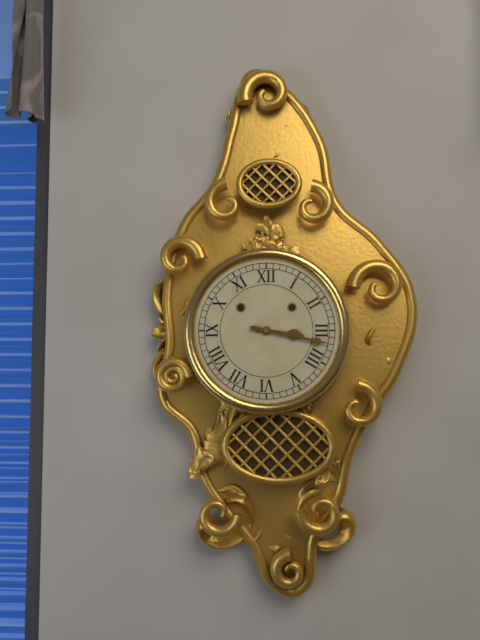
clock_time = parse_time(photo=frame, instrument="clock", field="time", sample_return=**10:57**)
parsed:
**3:17**
